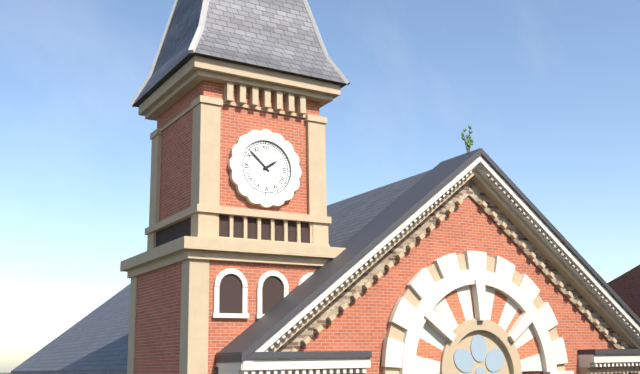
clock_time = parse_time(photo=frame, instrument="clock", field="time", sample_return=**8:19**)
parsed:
**1:52**
